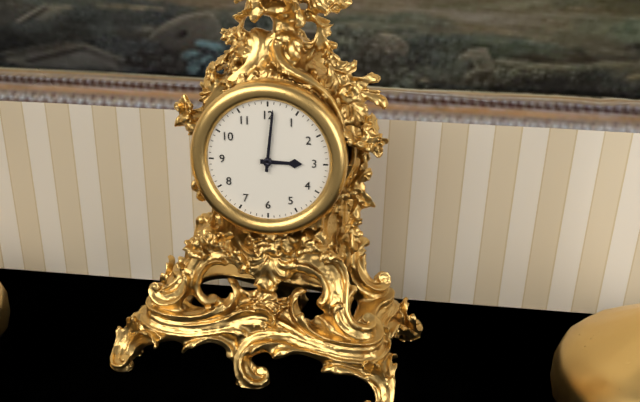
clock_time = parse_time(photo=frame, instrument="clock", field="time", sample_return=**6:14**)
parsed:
**3:01**
